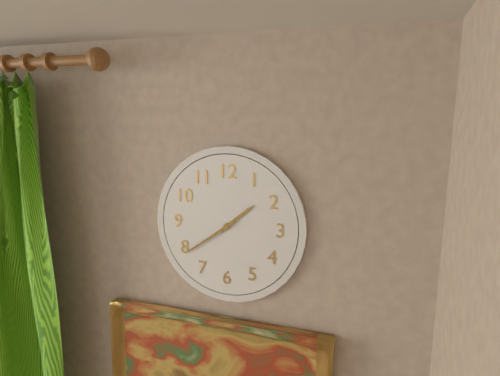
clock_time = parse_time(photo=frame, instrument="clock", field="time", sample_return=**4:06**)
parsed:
**1:39**
